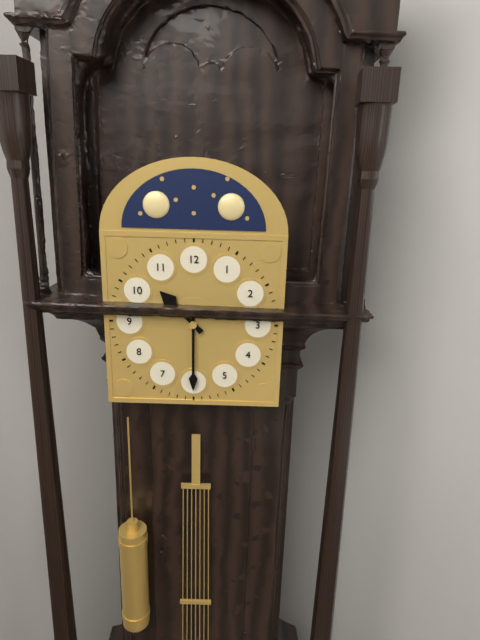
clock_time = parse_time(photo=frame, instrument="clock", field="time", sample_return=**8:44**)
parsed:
**10:30**
